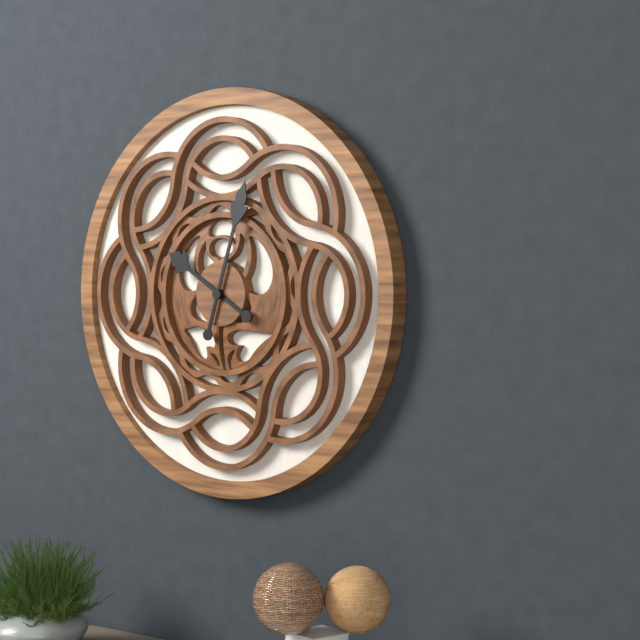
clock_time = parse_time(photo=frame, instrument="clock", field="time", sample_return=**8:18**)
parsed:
**10:03**
